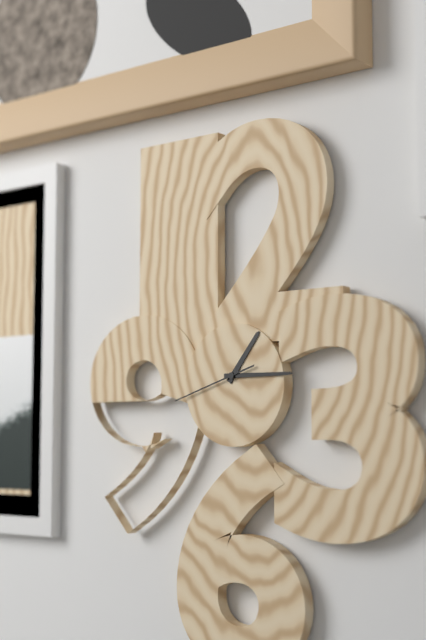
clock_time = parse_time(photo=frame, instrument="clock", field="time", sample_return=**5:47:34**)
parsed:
**1:15:42**
